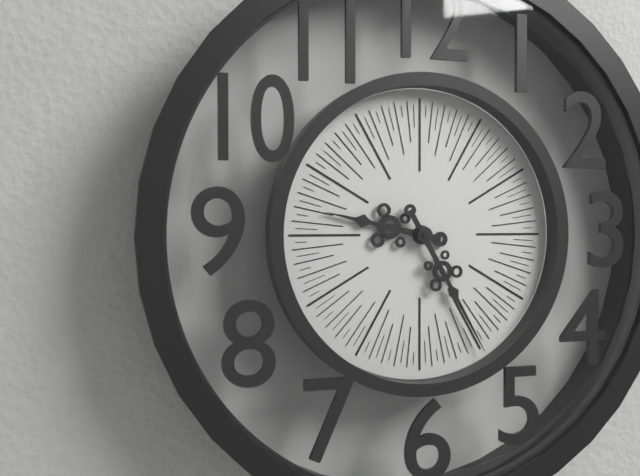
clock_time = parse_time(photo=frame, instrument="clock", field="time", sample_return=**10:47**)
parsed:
**9:25**
